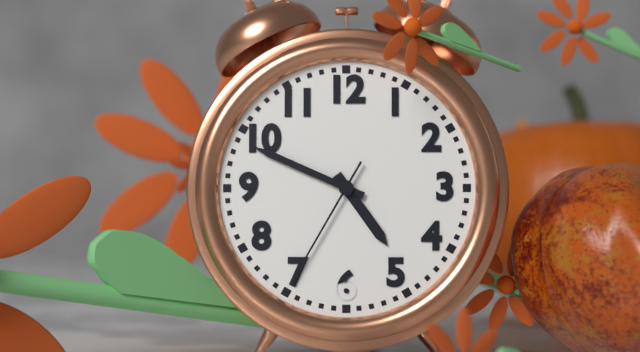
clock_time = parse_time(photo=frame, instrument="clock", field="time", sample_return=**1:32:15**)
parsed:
**4:49:35**
